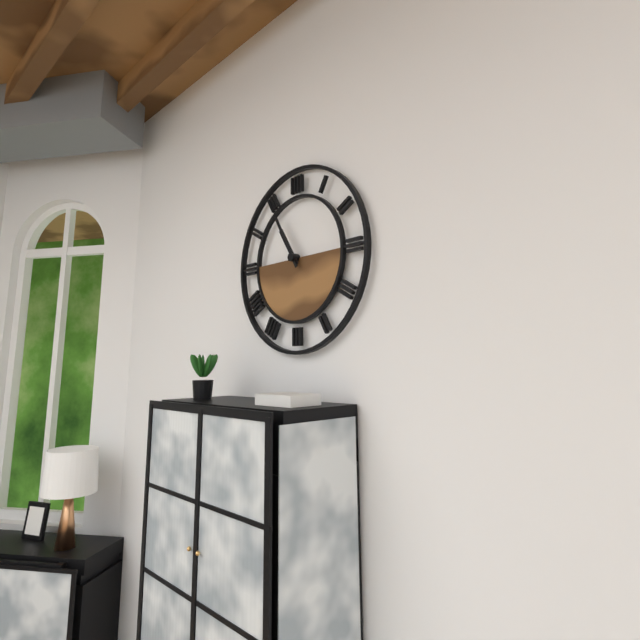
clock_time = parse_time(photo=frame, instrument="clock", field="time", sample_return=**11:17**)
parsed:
**10:55**
